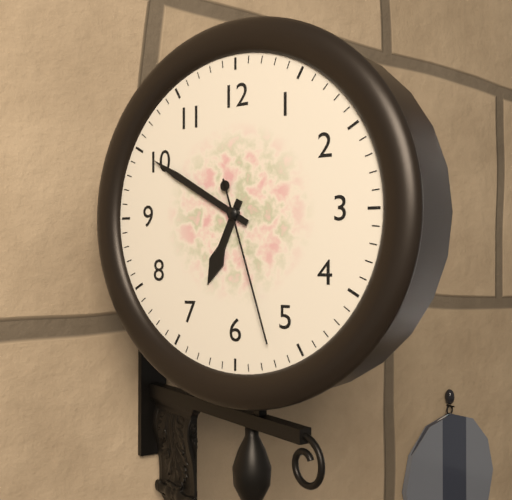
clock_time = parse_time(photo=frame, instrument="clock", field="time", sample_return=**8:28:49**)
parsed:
**6:50:27**
